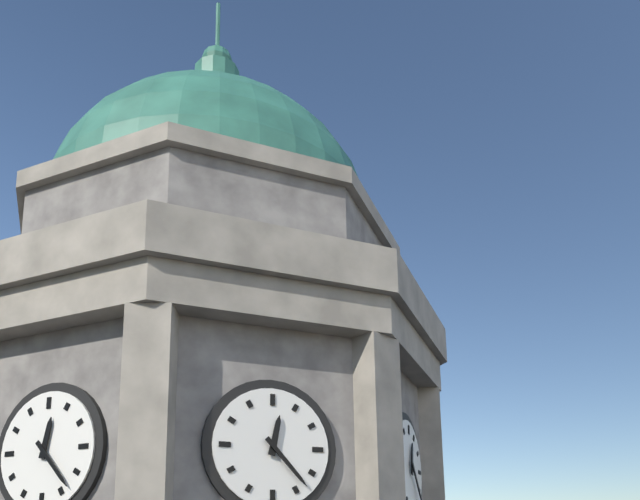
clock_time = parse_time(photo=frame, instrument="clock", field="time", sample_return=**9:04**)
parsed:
**12:23**
